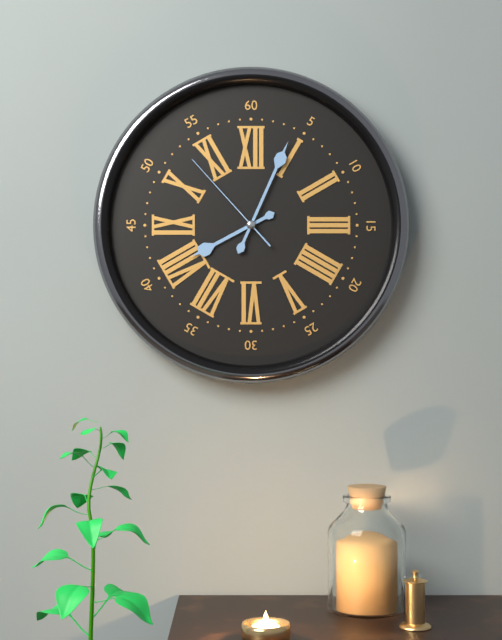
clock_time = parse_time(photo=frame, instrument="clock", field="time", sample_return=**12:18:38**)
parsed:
**8:04:53**
